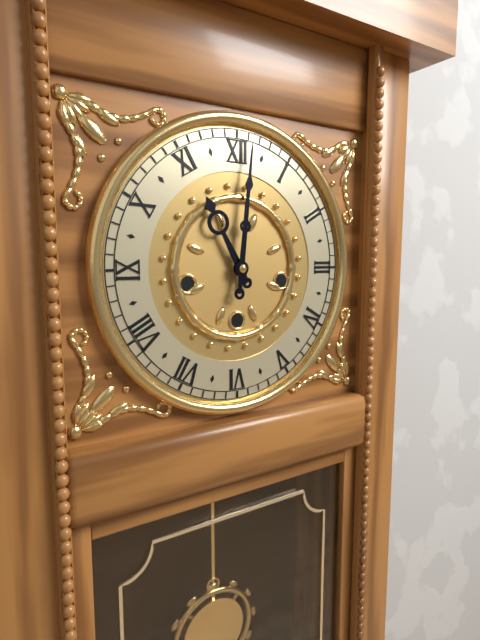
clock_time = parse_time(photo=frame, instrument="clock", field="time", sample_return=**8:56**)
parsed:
**11:01**
